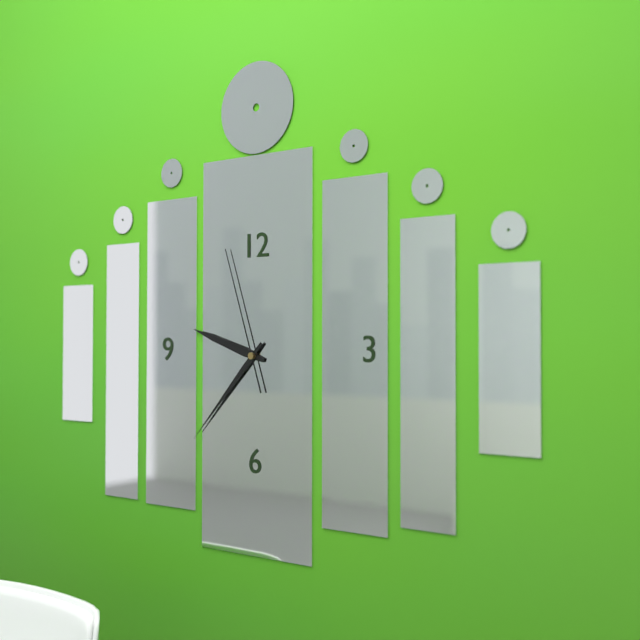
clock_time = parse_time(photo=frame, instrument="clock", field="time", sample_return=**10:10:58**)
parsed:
**9:37:57**
